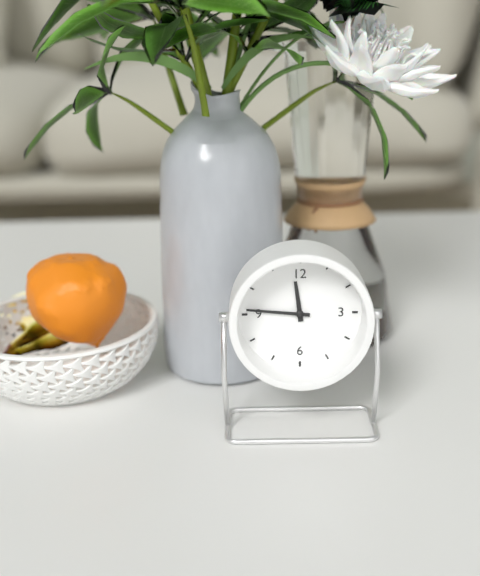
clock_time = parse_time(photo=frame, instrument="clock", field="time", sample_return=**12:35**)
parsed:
**11:46**
